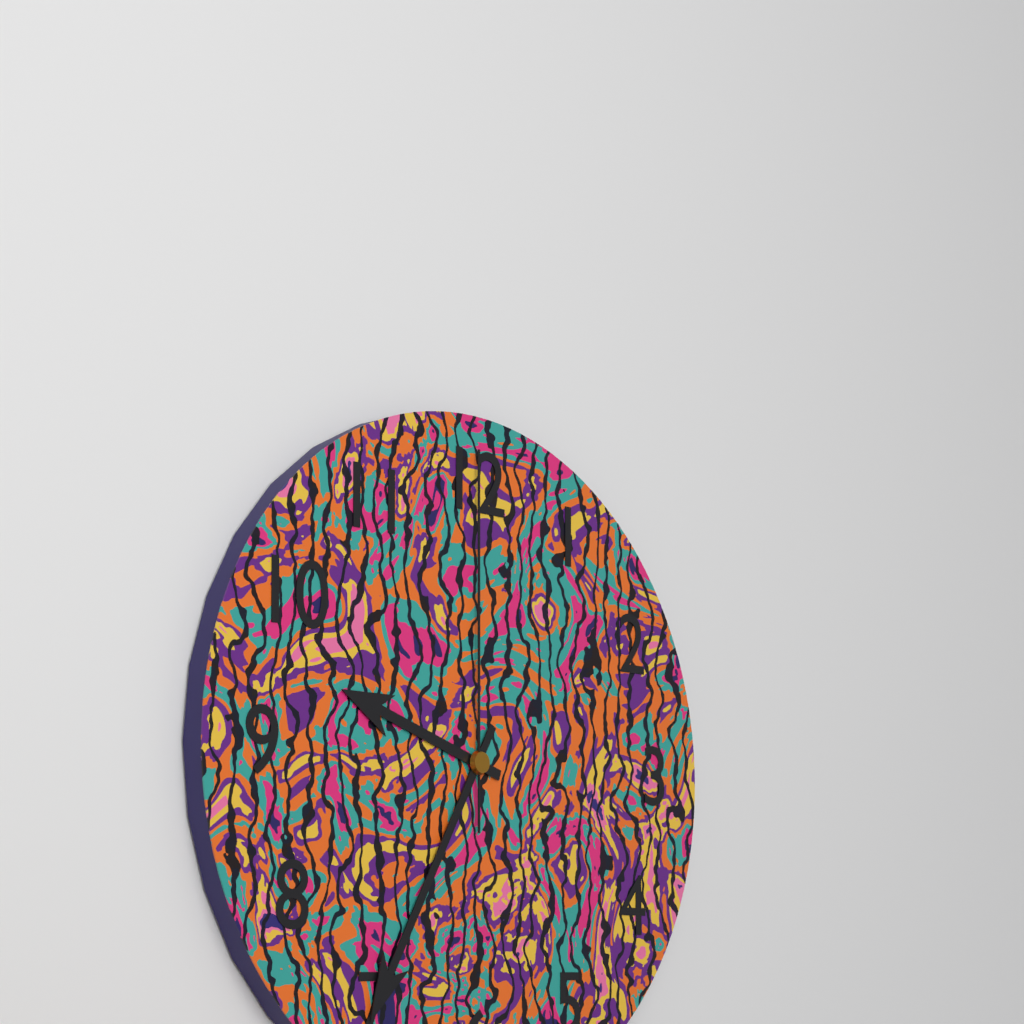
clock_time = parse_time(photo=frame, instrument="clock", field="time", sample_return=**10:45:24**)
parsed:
**9:35:00**
